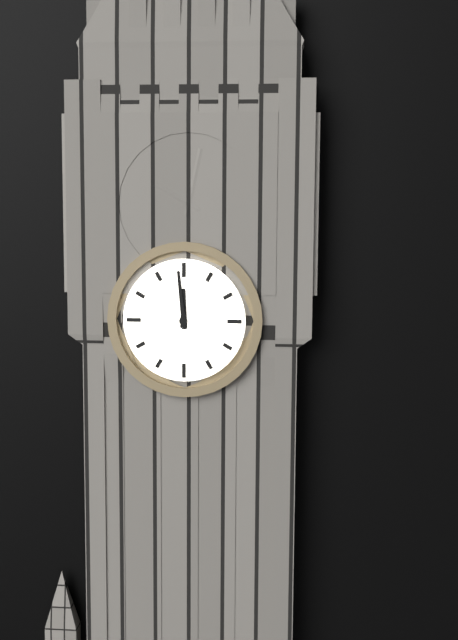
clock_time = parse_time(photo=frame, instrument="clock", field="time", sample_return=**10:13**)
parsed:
**11:59**
